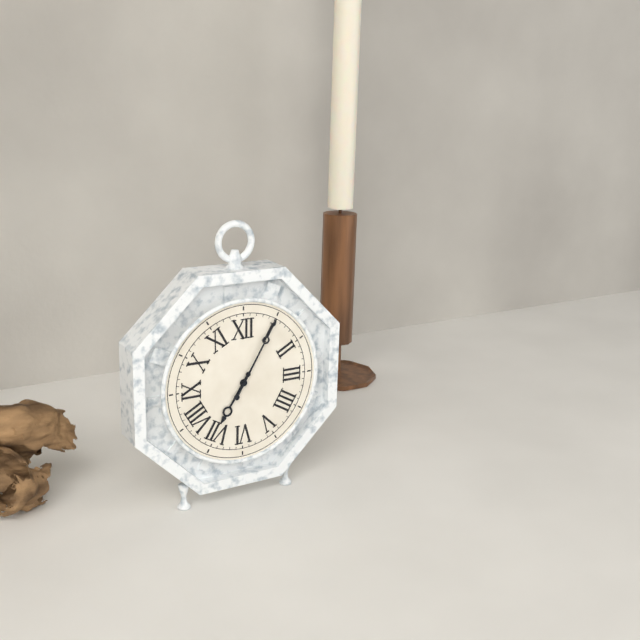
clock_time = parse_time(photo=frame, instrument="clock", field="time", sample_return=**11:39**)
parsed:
**7:05**
